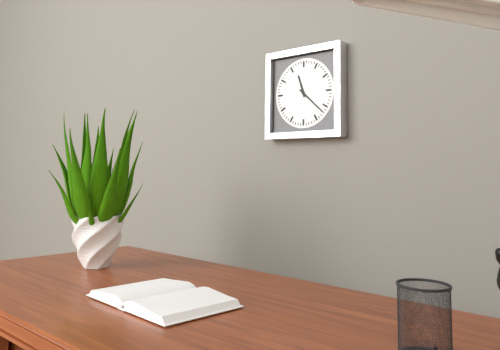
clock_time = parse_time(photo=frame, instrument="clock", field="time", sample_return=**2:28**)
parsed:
**11:22**
